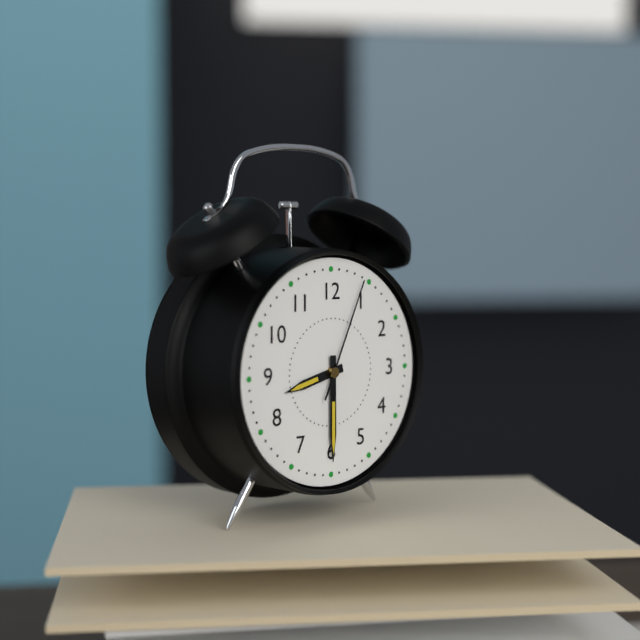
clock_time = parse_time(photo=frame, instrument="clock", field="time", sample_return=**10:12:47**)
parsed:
**8:30:04**
